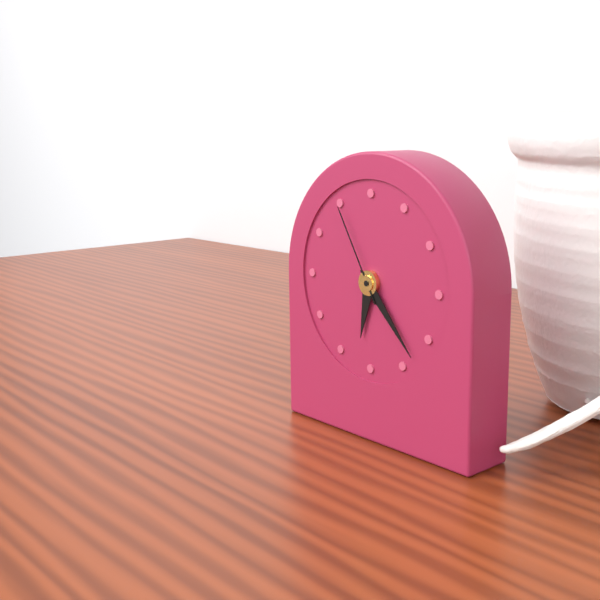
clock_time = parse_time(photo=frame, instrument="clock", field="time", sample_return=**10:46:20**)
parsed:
**6:23:55**
